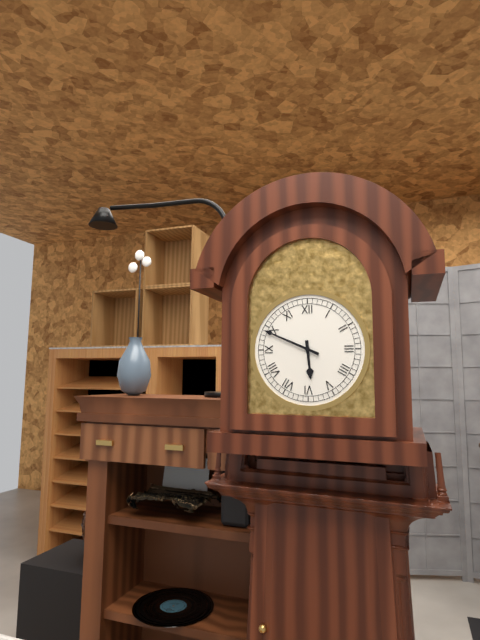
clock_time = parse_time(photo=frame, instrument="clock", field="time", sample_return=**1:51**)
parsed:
**5:49**
